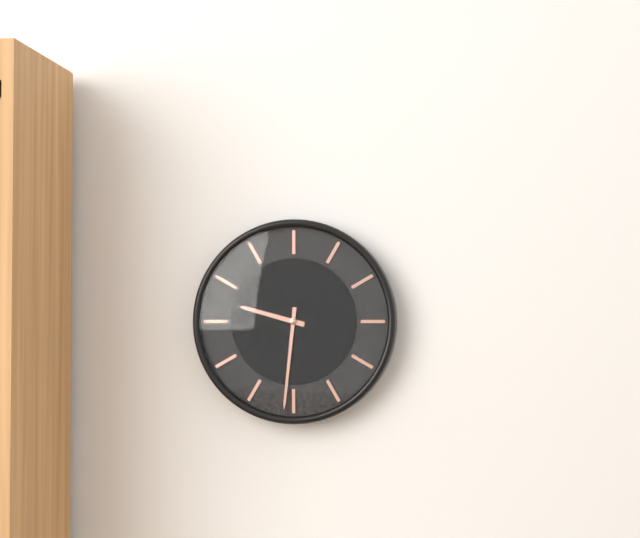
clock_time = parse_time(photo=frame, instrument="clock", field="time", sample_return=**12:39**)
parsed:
**9:31**
